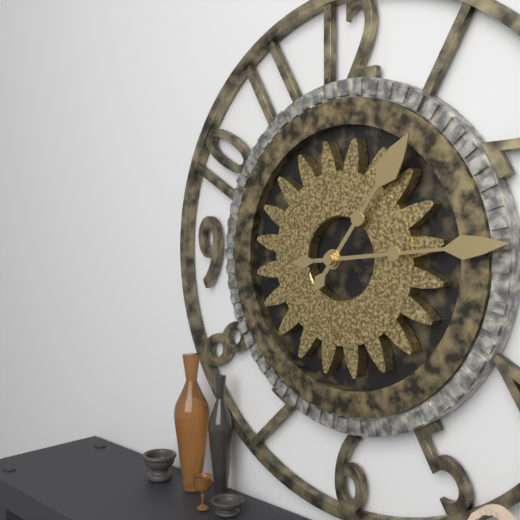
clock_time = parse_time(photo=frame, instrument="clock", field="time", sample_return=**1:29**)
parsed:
**1:14**
